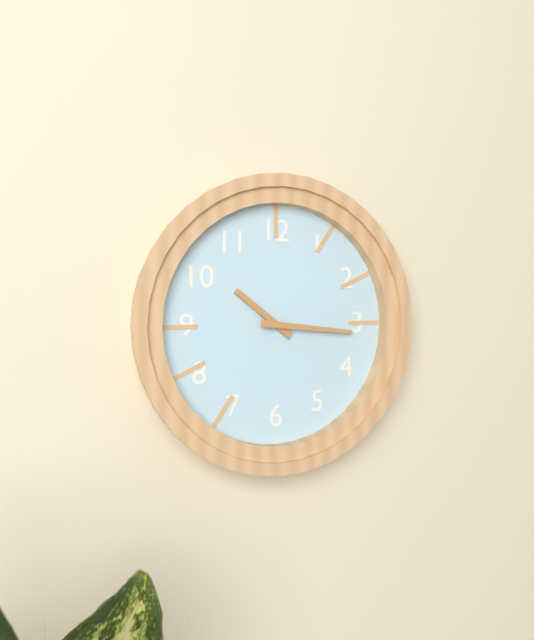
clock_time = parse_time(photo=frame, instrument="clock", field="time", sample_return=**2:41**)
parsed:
**10:16**
